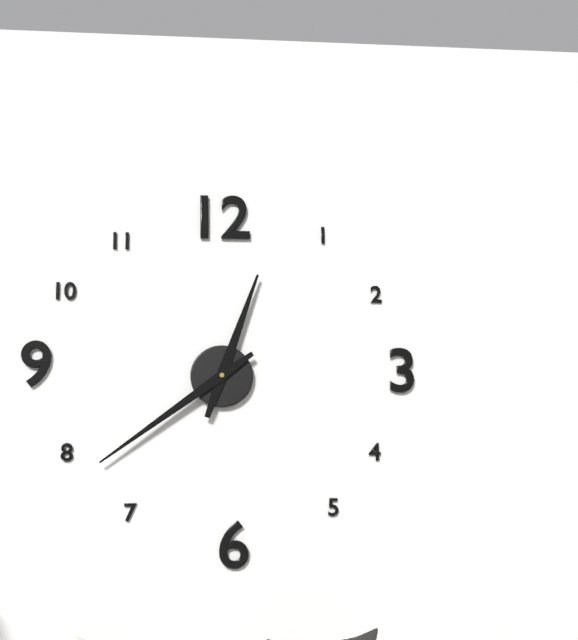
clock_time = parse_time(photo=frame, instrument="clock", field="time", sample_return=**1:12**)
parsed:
**12:39**
